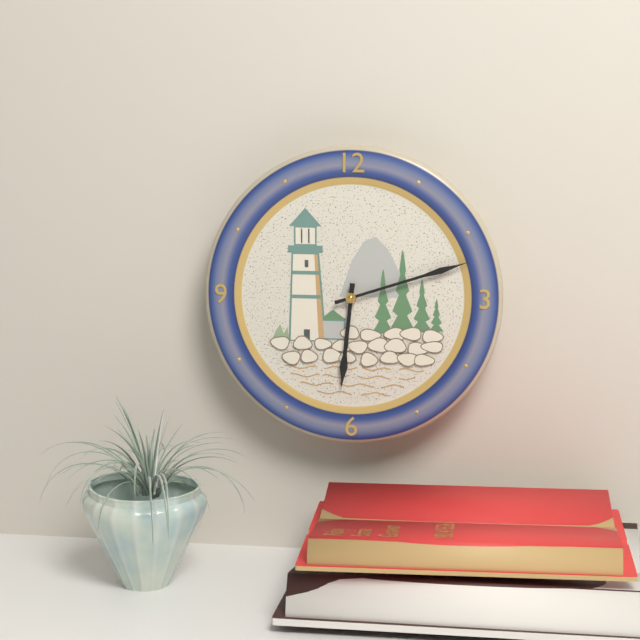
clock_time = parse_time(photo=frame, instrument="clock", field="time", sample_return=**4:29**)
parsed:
**6:12**
